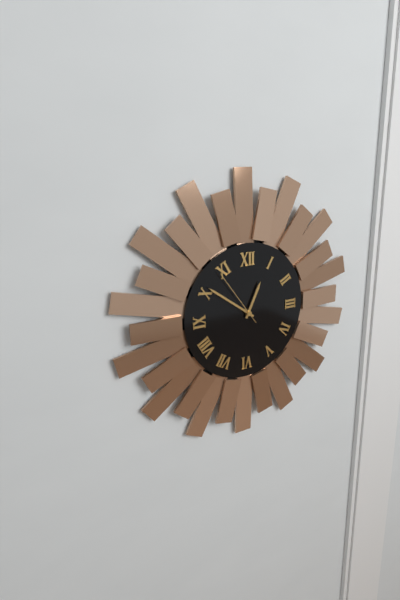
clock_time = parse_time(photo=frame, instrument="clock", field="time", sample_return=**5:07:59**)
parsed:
**12:51:54**
